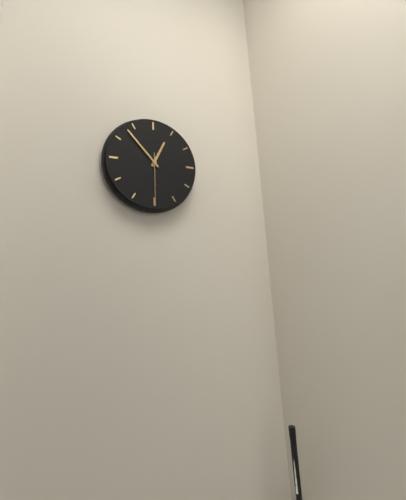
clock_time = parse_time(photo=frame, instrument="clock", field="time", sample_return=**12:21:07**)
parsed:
**12:53:30**
